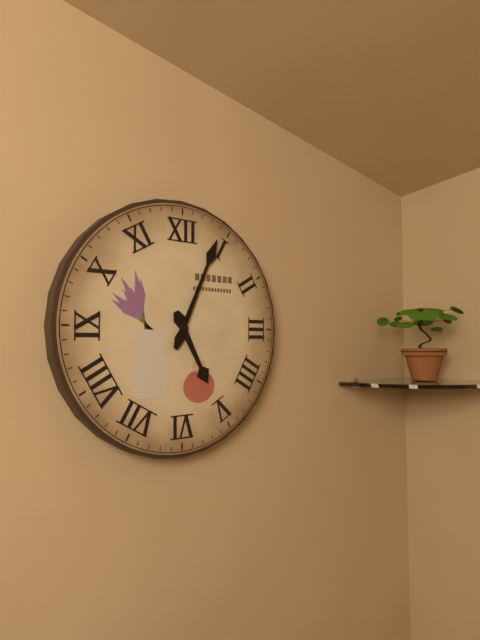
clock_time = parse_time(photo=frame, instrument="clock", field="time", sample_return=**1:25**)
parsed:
**5:04**
